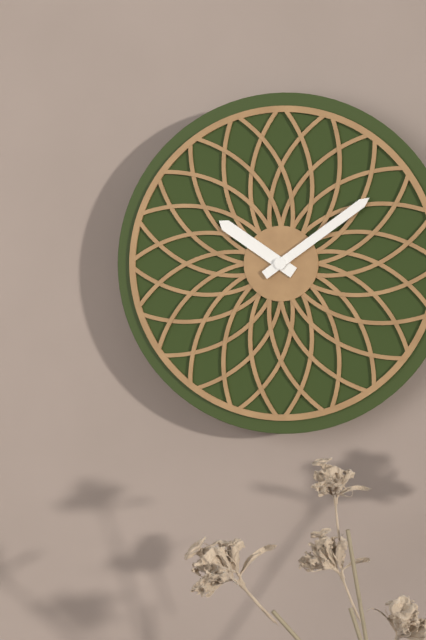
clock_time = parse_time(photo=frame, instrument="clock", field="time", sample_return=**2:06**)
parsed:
**10:09**
